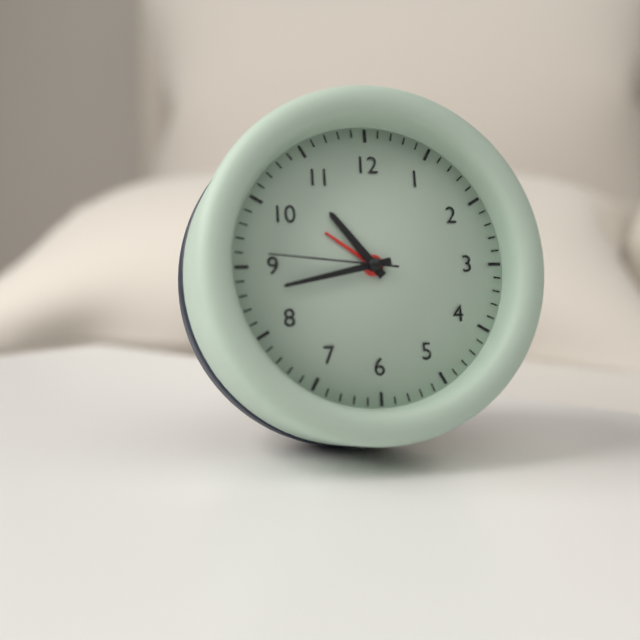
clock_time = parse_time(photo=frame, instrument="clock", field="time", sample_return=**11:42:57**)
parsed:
**10:43:46**
